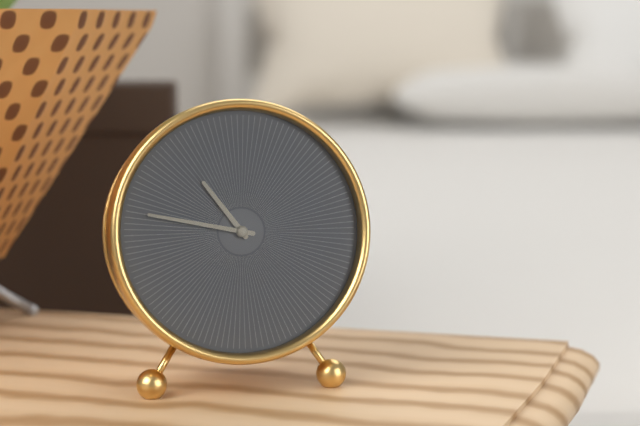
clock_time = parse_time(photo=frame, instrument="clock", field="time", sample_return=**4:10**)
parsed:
**10:47**
